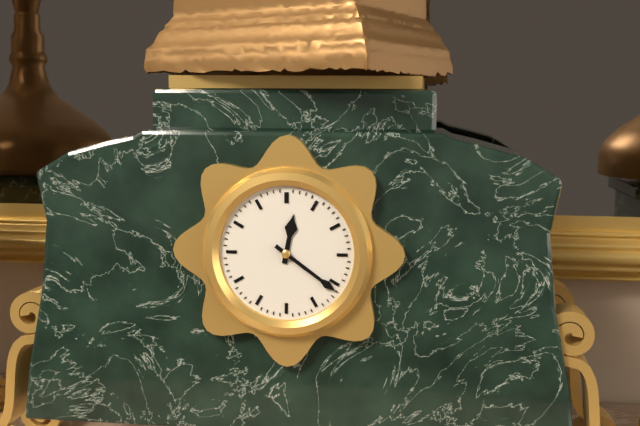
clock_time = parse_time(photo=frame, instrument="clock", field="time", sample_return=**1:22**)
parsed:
**12:21**
